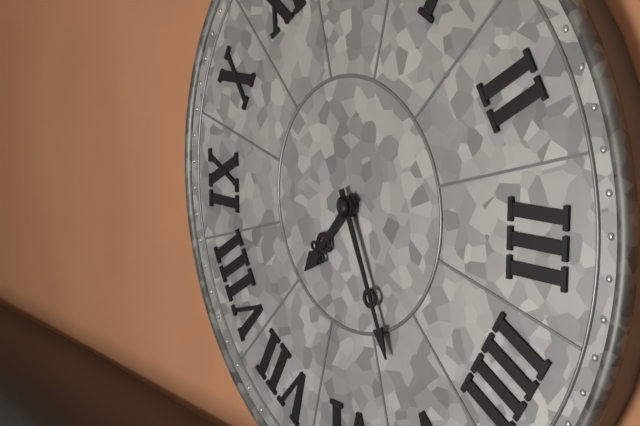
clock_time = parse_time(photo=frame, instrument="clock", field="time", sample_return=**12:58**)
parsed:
**7:26**
